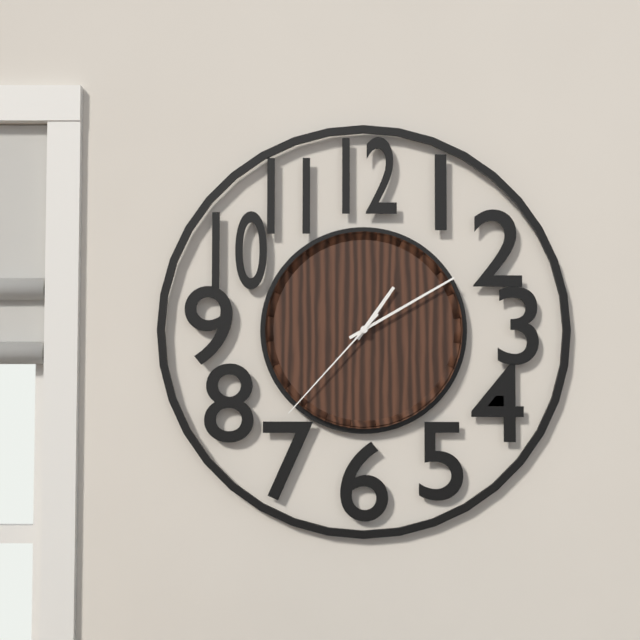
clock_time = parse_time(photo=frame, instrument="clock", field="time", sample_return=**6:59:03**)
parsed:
**1:10:37**
